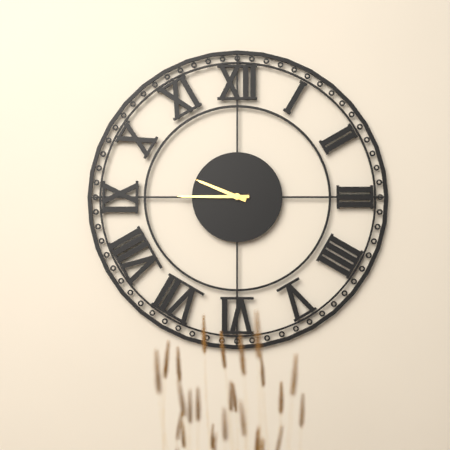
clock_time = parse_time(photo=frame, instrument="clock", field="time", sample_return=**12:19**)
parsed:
**9:45**
